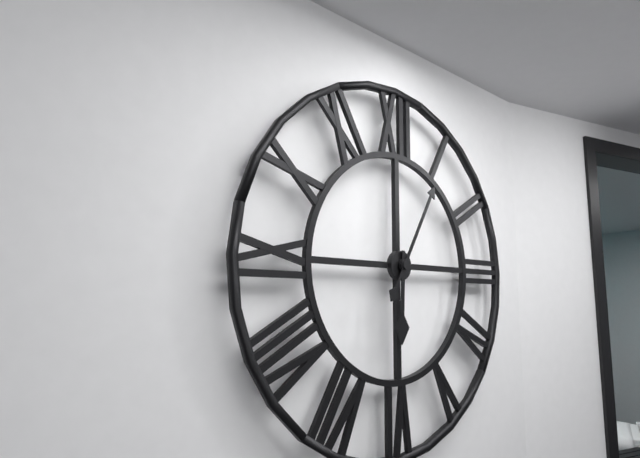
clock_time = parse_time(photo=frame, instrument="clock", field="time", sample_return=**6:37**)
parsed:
**6:05**
